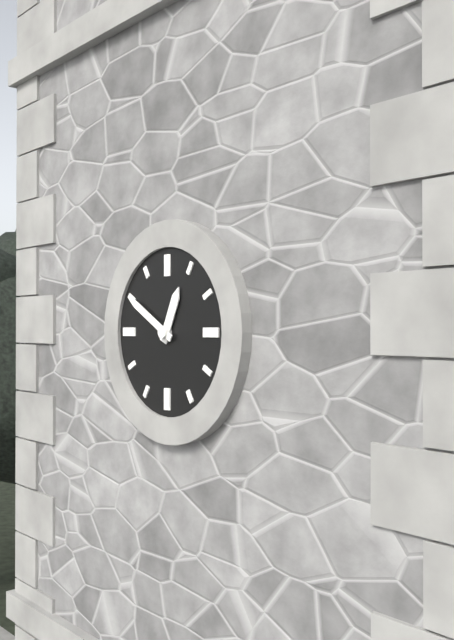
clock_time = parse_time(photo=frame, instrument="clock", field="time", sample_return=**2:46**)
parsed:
**12:50**
